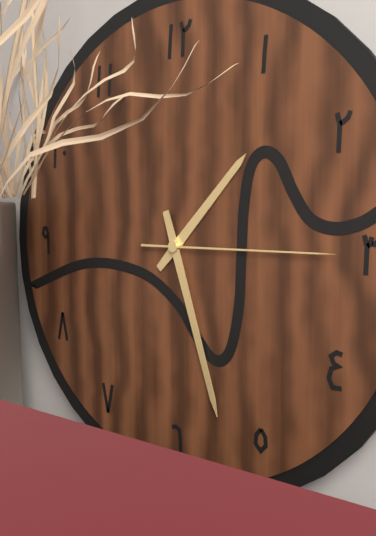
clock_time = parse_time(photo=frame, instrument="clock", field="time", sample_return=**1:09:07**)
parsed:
**1:27:15**
